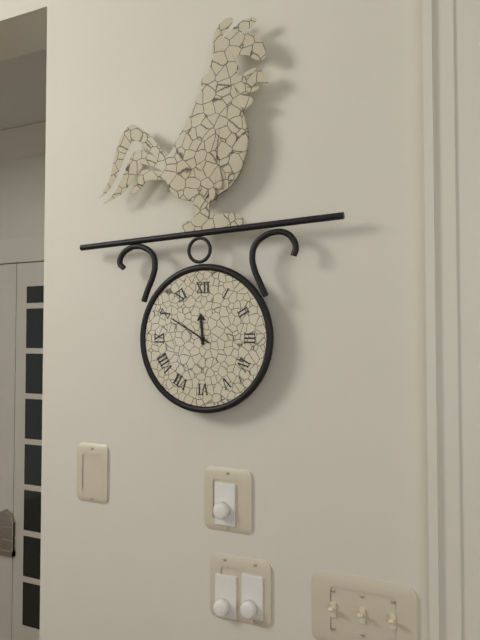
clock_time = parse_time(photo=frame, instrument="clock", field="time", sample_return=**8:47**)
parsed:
**11:50**
